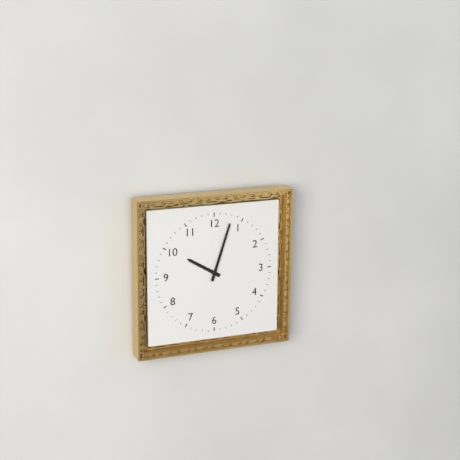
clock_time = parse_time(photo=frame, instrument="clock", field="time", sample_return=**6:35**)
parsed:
**10:03**
